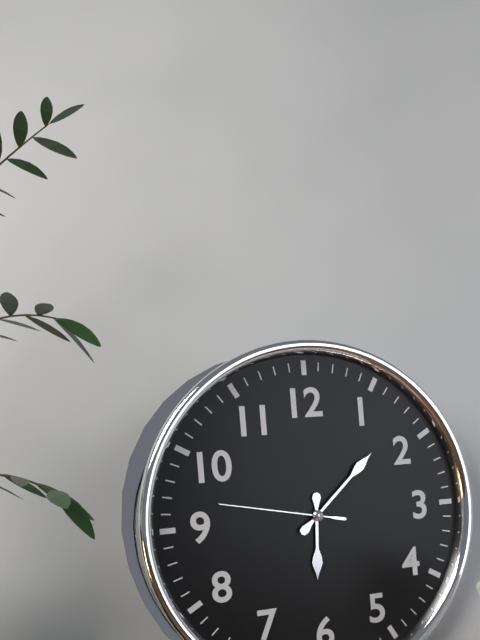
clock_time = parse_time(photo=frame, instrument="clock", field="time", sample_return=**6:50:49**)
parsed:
**6:08:47**
